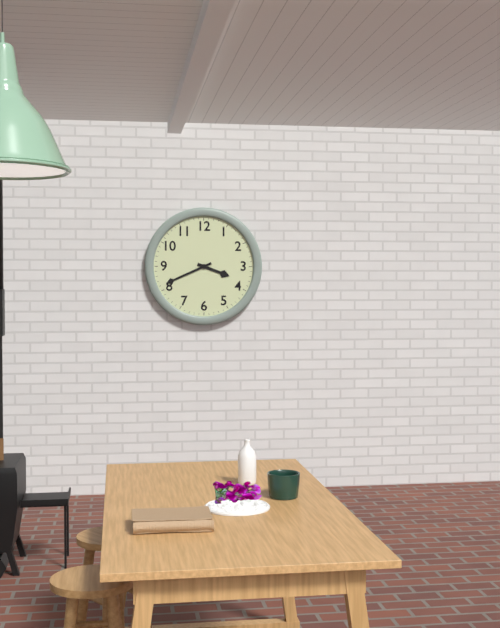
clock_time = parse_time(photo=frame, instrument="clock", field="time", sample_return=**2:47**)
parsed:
**3:41**
